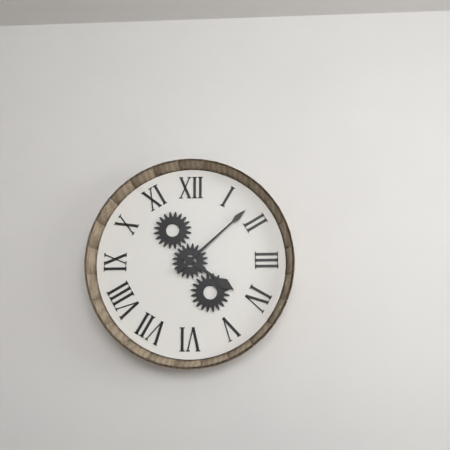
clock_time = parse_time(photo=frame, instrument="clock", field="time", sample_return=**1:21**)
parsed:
**4:08**
